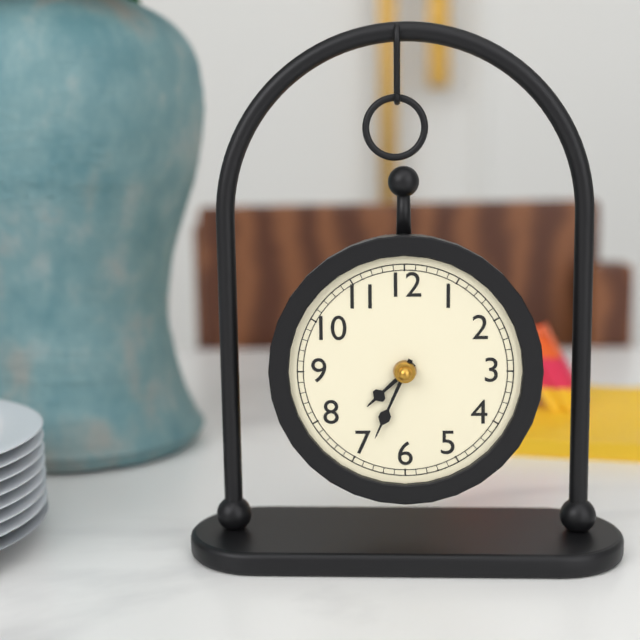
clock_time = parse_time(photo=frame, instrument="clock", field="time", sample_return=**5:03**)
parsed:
**7:34**
